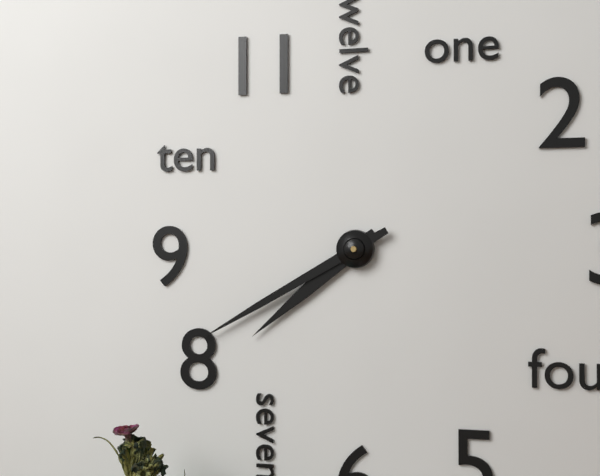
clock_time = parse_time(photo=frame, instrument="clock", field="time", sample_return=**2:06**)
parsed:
**7:40**
